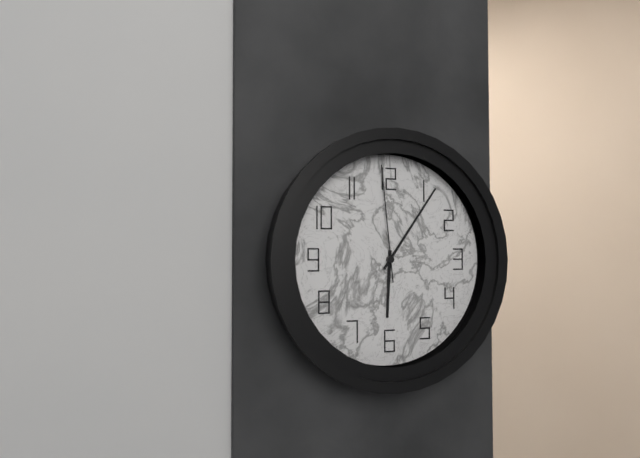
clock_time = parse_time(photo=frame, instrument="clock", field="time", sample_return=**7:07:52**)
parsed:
**6:06:59**
